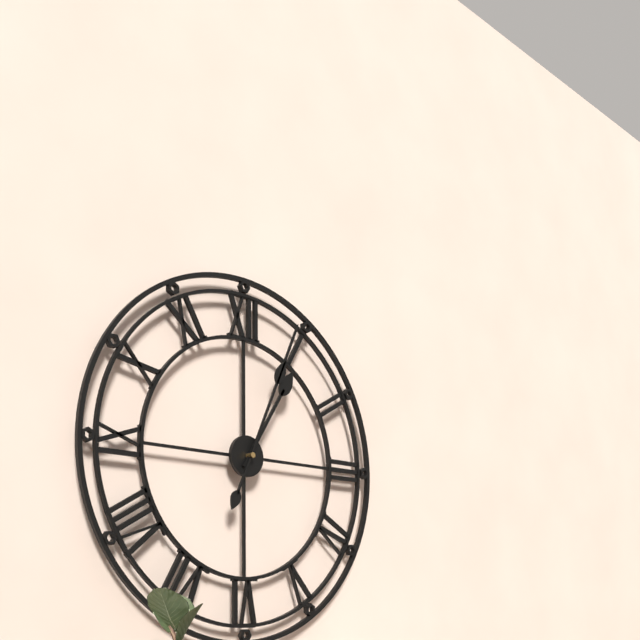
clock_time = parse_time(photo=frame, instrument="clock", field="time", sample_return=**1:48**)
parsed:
**1:04**
